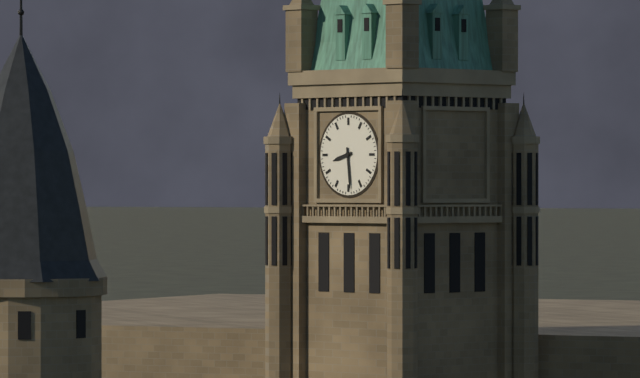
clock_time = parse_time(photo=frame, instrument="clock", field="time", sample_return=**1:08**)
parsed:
**8:29**
